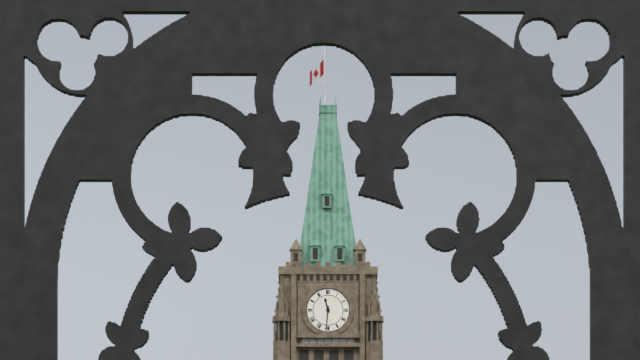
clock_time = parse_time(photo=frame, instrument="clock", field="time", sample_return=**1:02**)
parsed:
**11:31**
